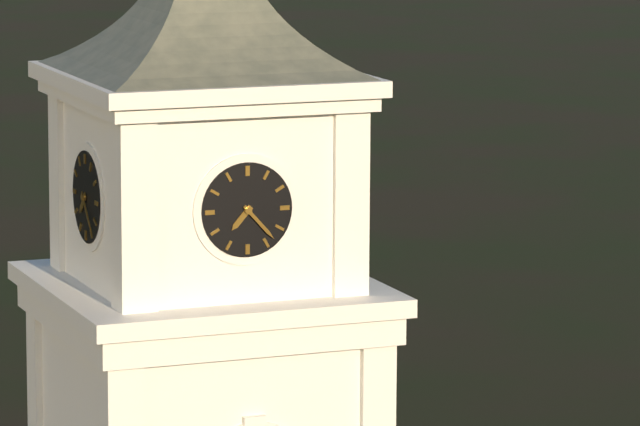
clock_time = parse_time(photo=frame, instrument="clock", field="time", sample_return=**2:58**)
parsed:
**7:23**
